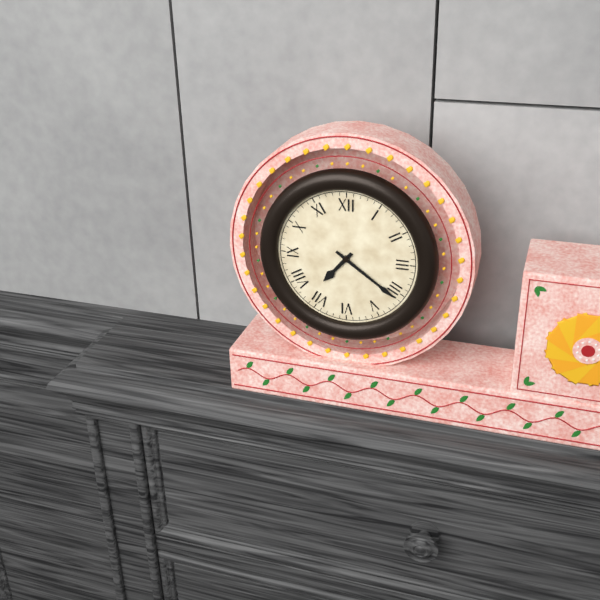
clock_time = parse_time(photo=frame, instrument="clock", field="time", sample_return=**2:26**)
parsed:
**7:21**
